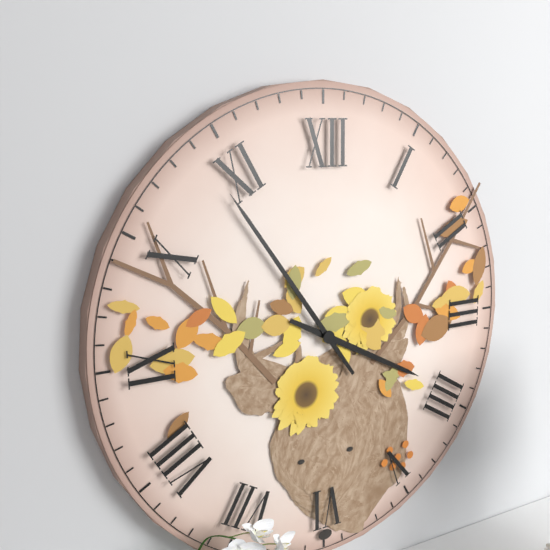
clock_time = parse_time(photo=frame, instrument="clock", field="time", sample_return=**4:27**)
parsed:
**3:54**
